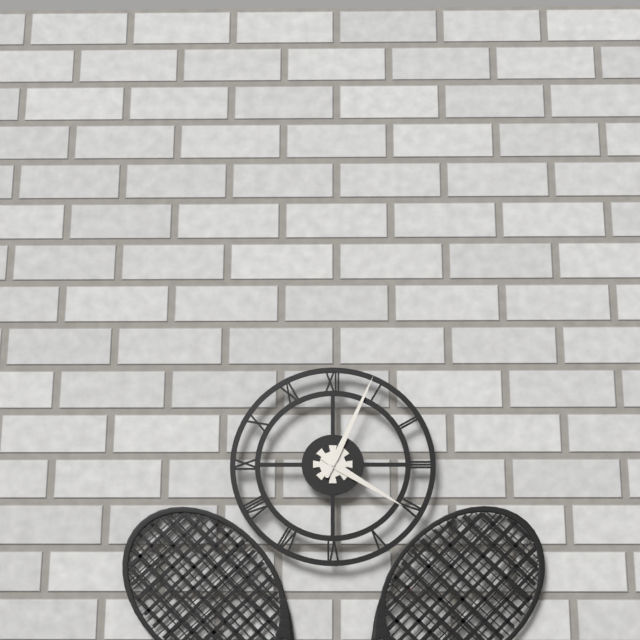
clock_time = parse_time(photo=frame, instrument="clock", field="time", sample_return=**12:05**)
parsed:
**4:04**
